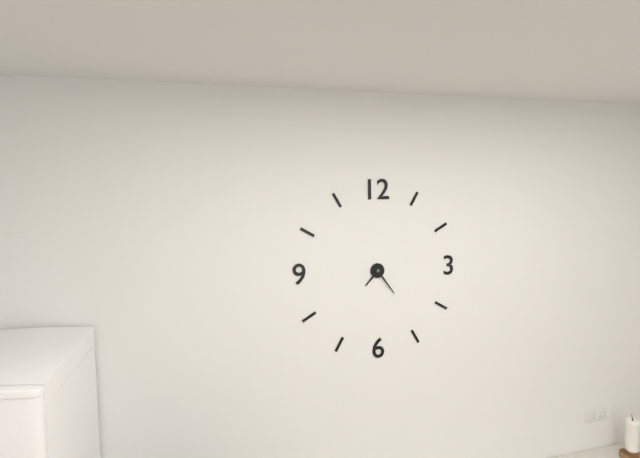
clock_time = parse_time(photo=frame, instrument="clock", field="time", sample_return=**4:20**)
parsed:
**7:24**
